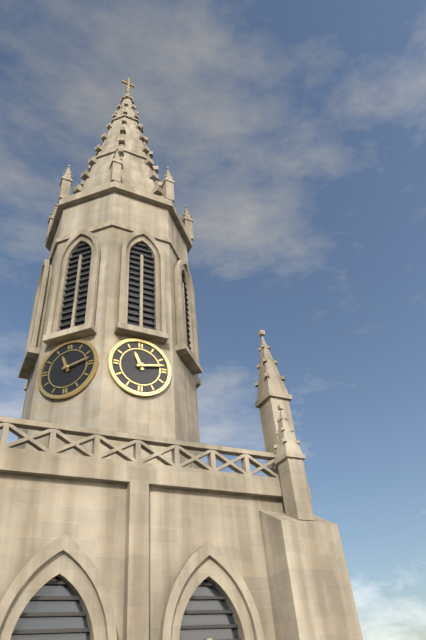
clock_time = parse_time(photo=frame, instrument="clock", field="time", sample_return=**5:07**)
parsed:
**11:13**
